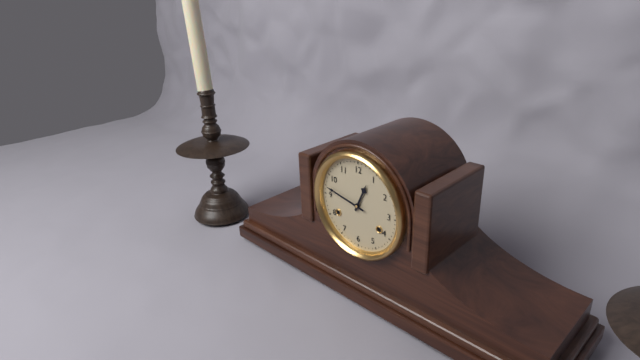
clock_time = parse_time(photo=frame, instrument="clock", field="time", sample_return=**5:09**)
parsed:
**12:47**
